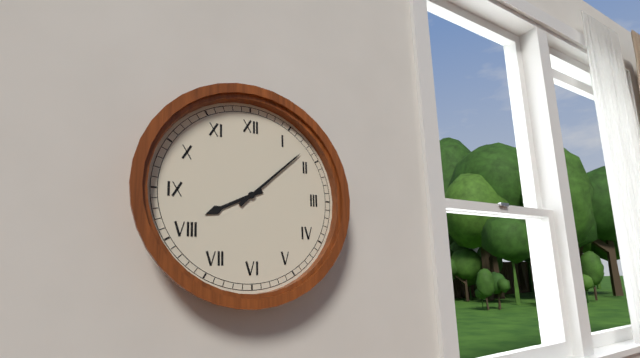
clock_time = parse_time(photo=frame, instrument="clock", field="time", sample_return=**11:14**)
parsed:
**8:08**
